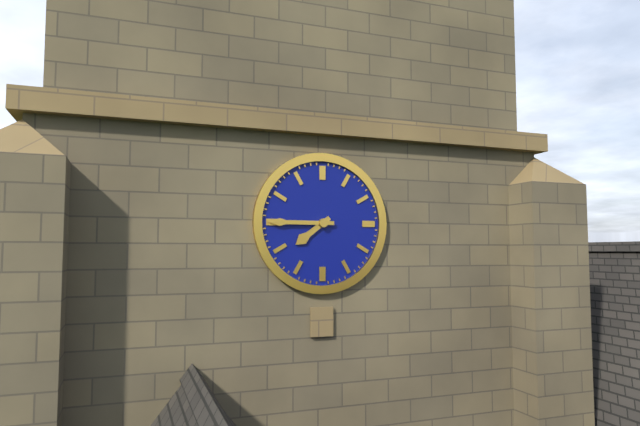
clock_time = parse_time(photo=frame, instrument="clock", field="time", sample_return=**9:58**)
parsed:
**7:45**
